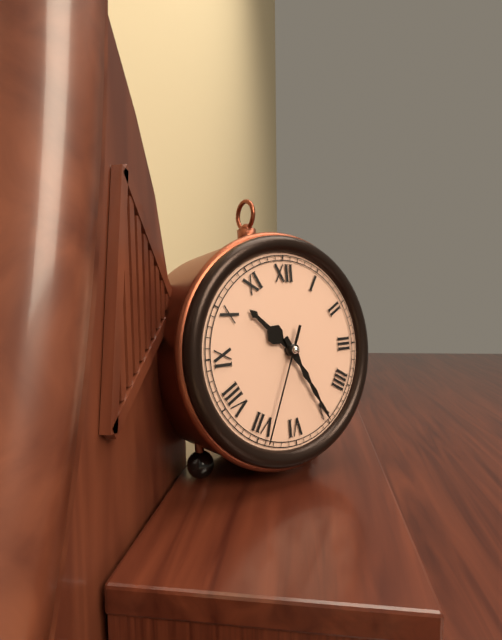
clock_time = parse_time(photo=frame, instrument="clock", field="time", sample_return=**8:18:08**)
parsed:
**10:25:34**
